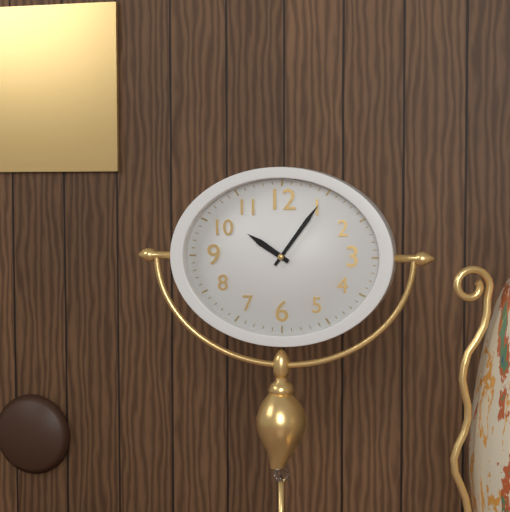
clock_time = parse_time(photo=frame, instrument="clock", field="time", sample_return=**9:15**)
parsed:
**10:06**
